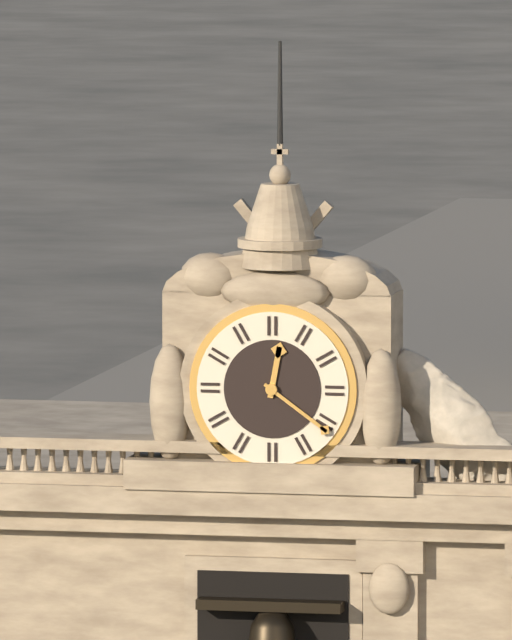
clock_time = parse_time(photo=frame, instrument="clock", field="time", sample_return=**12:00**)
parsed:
**12:21**
